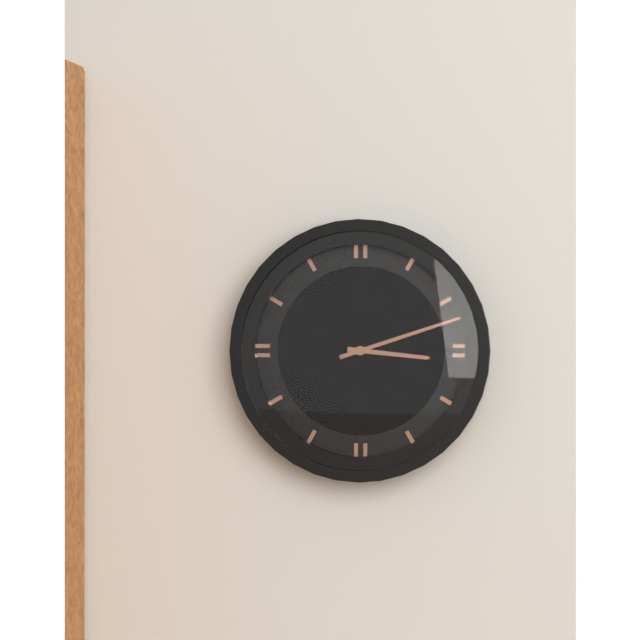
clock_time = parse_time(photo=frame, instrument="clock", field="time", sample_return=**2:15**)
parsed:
**3:12**
